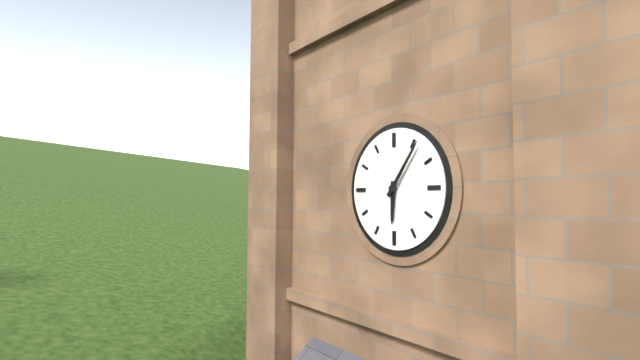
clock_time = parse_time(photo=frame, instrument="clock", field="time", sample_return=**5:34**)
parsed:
**6:06**
